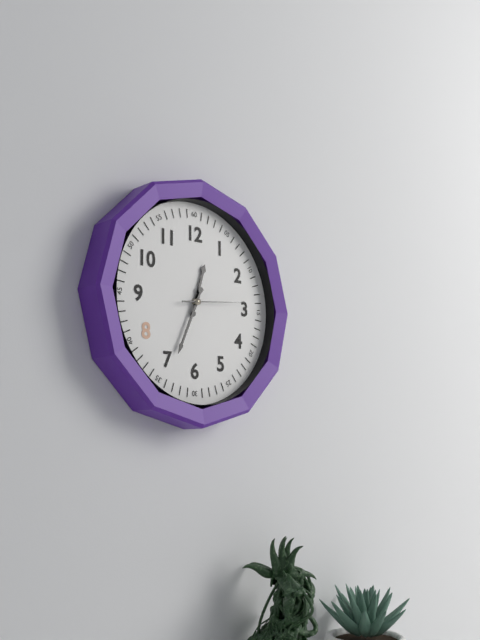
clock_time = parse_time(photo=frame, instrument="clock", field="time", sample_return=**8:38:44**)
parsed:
**12:34:14**
